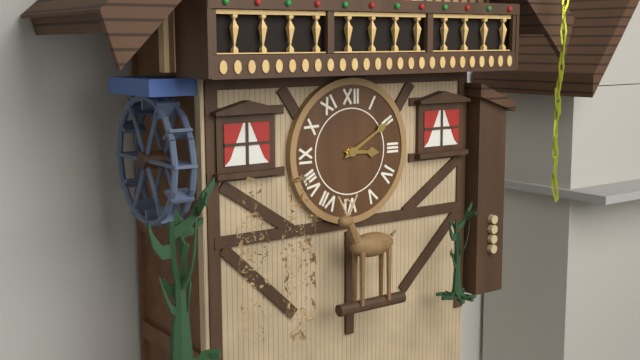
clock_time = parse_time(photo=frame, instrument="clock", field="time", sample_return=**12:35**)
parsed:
**3:10**
